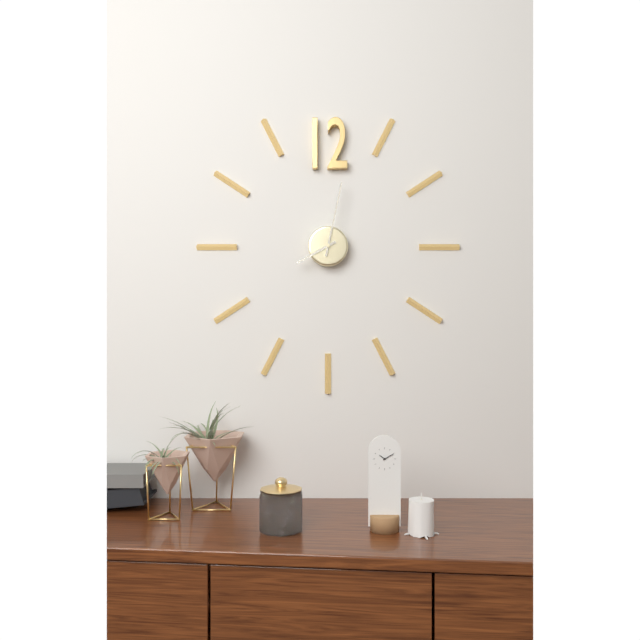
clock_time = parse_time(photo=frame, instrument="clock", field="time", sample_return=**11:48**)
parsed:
**8:02**
